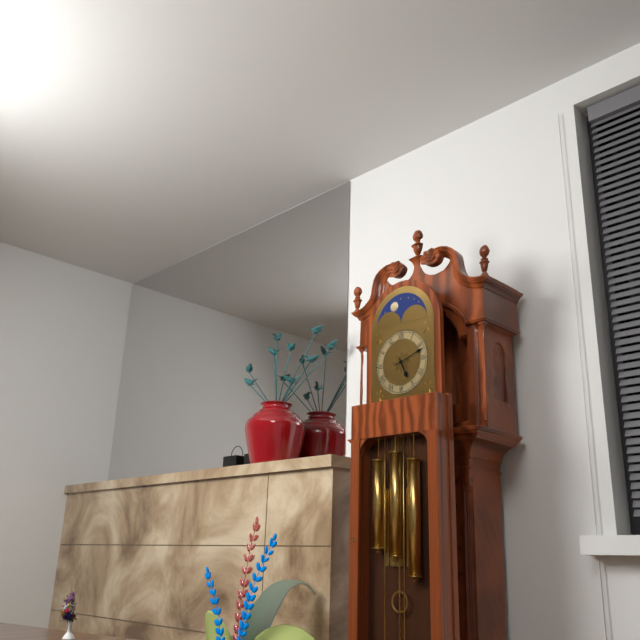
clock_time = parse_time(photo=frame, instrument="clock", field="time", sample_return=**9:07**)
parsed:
**5:12**
